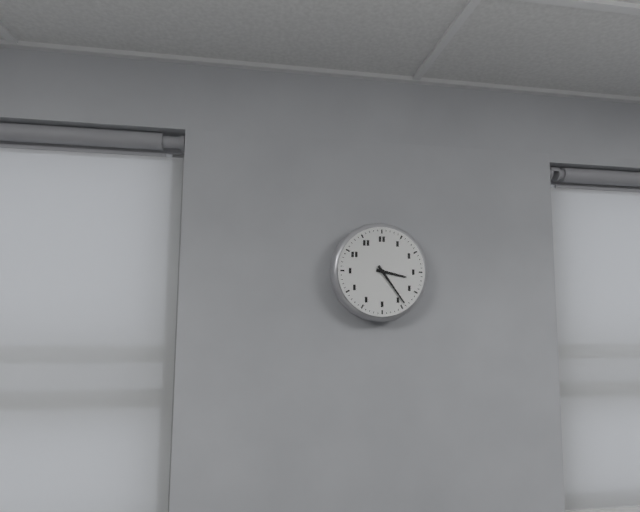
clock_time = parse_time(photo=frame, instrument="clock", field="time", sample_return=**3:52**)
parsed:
**3:24**
